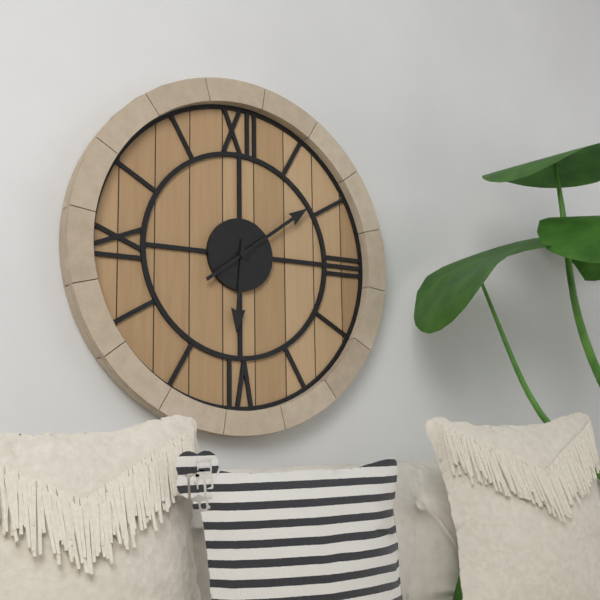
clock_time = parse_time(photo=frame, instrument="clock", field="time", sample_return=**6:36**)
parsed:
**6:09**
